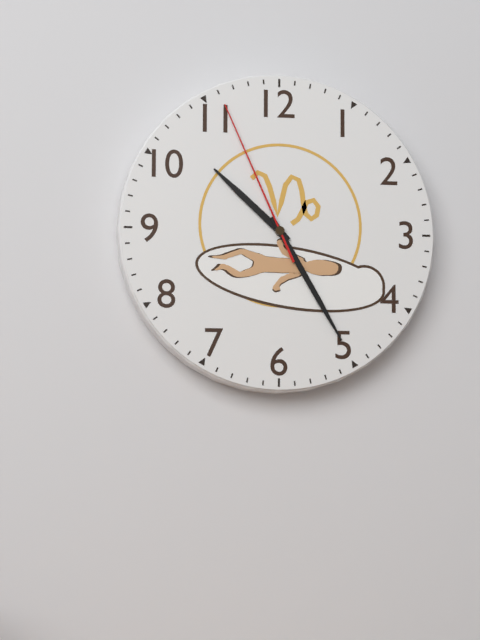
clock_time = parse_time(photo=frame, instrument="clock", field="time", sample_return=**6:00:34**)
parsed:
**10:25:56**
